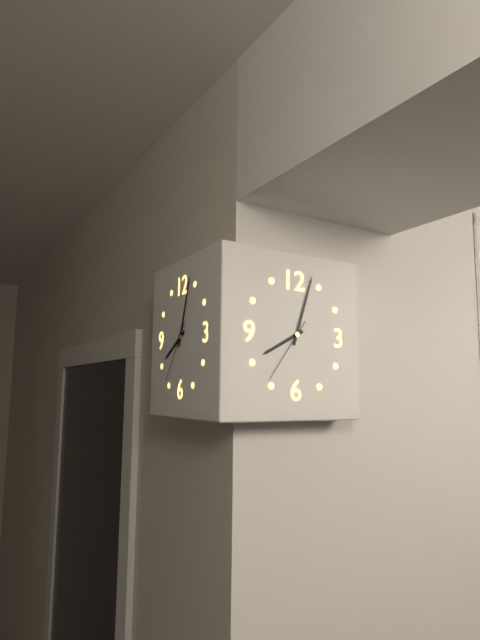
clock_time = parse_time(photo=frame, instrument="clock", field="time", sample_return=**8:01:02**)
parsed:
**8:03:36**
